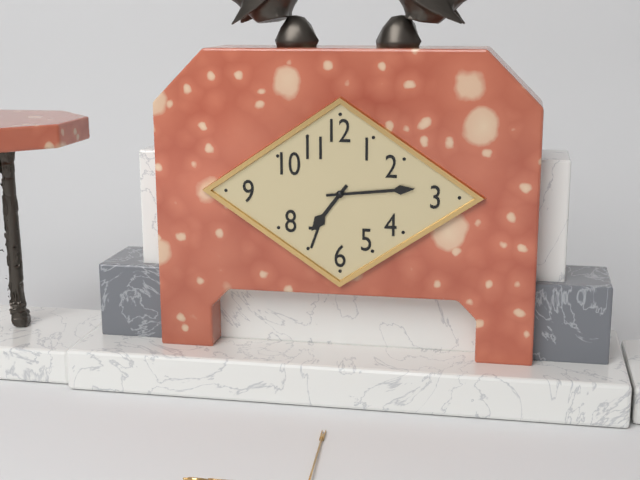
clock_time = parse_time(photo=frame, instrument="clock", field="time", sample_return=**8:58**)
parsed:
**7:14**
